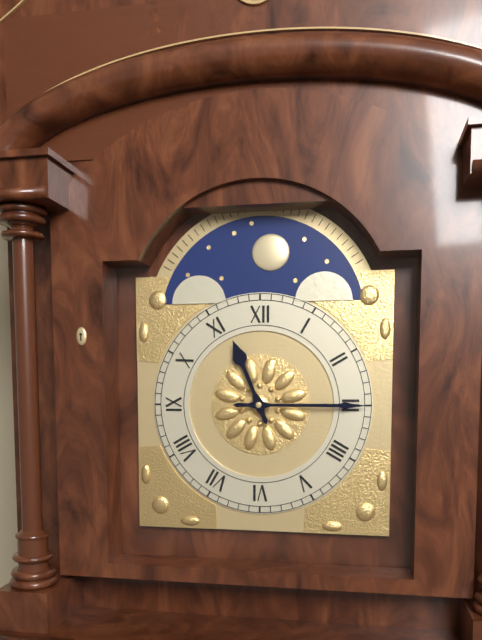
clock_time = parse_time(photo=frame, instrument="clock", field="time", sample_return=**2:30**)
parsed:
**11:15**
